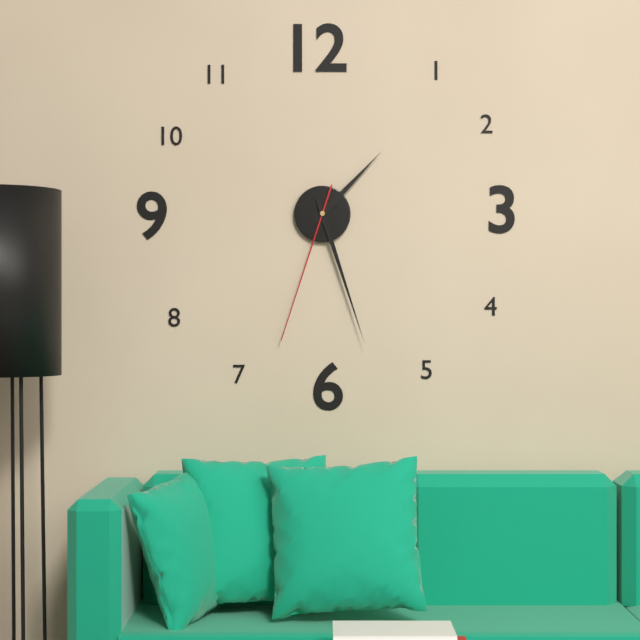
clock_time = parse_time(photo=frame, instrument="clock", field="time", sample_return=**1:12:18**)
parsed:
**1:27:33**
